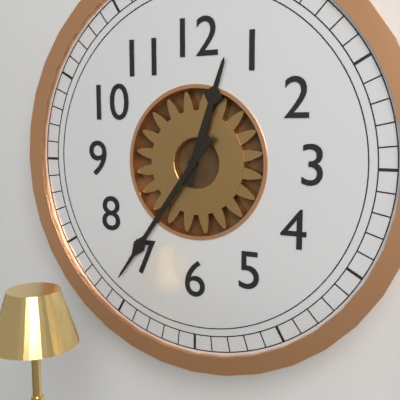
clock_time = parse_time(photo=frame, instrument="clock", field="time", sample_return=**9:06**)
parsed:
**12:36**
